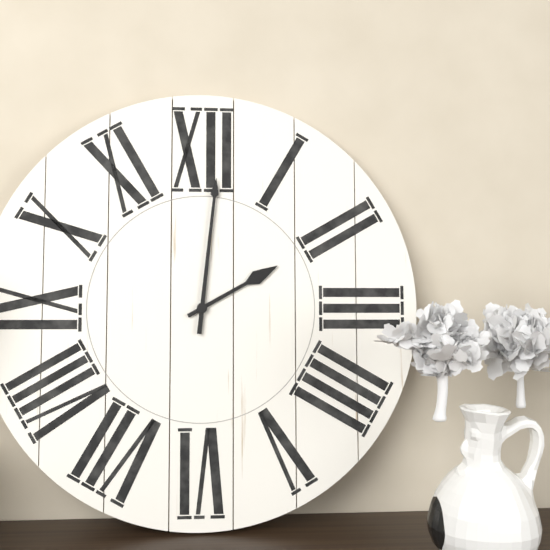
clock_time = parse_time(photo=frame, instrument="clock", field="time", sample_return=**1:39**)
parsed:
**2:01**
